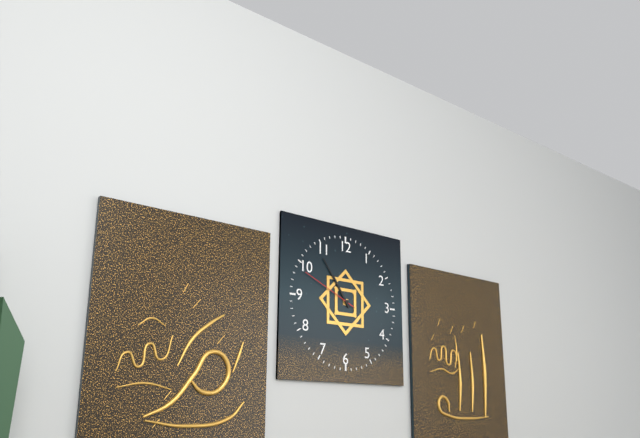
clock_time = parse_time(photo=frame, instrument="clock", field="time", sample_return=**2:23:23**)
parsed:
**10:54:49**
